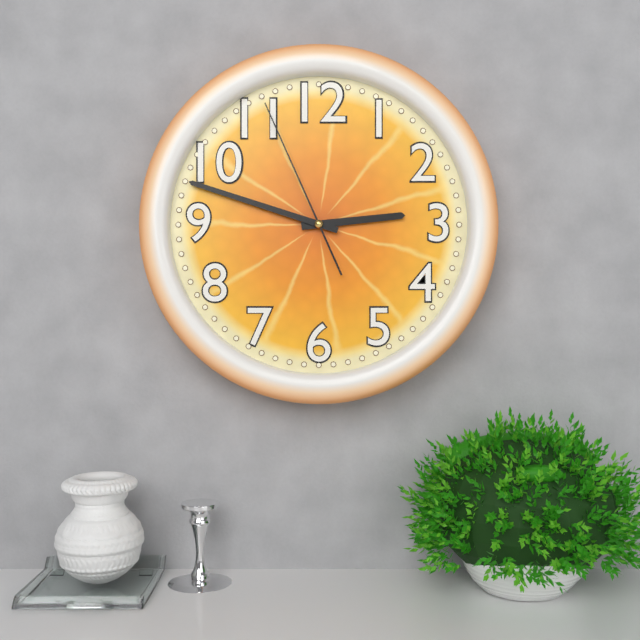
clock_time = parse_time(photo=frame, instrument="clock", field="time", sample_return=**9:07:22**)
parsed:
**2:48:56**
